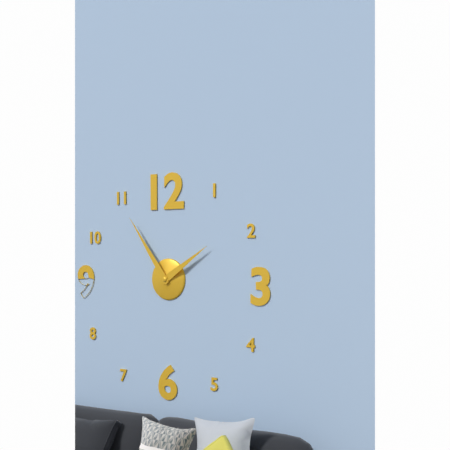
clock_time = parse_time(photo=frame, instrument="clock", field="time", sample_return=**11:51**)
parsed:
**1:54**
